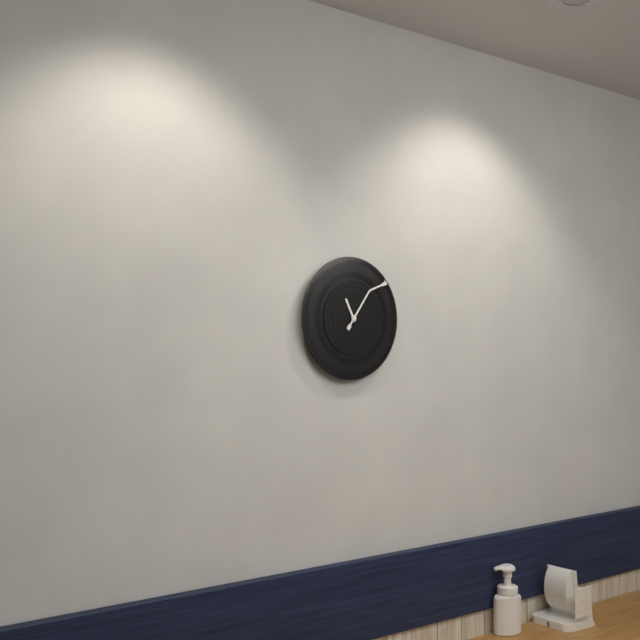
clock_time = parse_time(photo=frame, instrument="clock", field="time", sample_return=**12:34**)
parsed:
**11:06**
